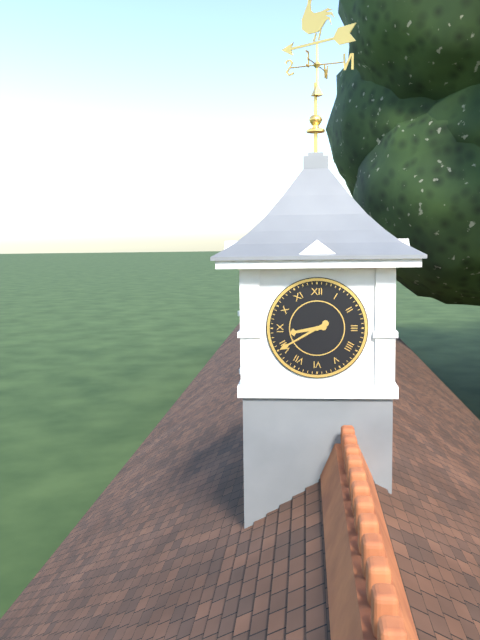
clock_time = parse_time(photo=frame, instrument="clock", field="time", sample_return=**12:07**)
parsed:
**8:40**
